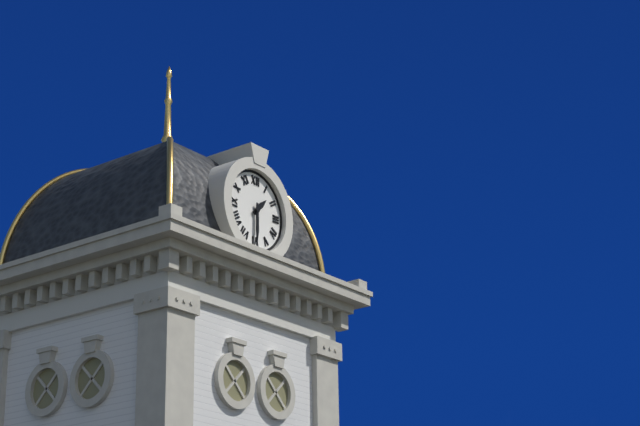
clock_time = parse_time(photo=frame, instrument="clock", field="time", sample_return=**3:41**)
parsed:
**1:30**
